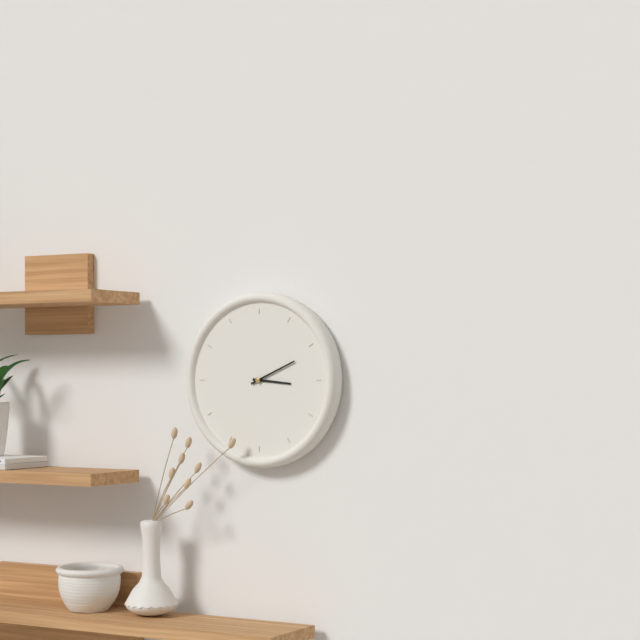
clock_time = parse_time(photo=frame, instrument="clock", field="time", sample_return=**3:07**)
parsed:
**3:11**
